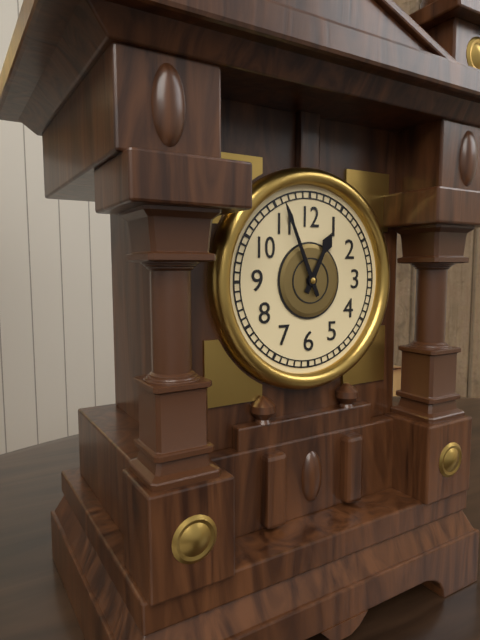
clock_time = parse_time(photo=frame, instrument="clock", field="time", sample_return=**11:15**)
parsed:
**12:56**
